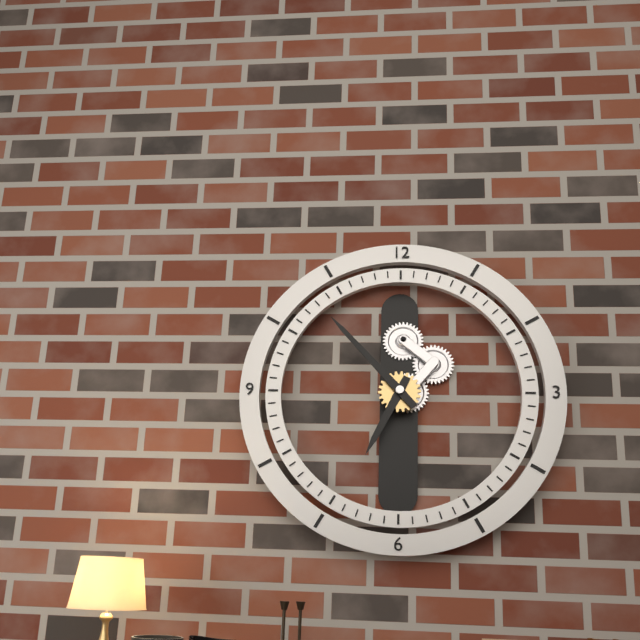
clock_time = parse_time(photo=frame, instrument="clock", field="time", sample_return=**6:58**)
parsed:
**6:53**
